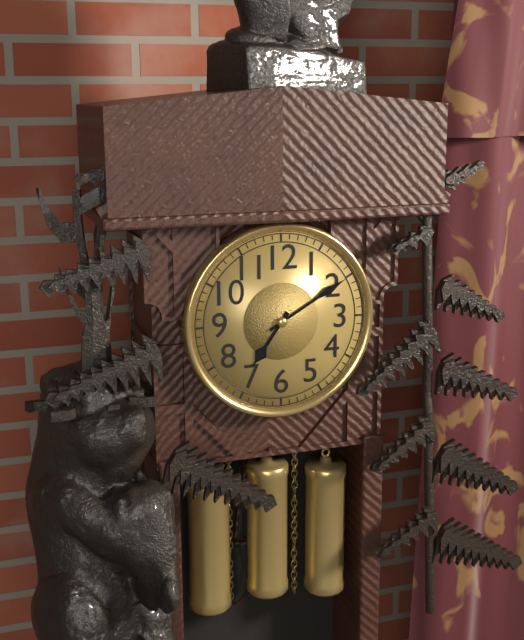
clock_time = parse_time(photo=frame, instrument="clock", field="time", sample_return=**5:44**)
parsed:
**7:10**
